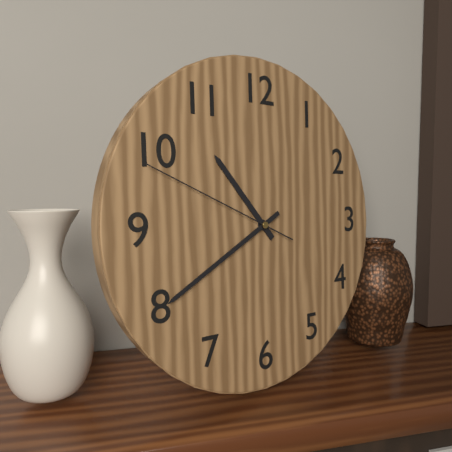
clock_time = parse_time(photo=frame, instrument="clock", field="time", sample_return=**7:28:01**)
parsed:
**10:40:49**
